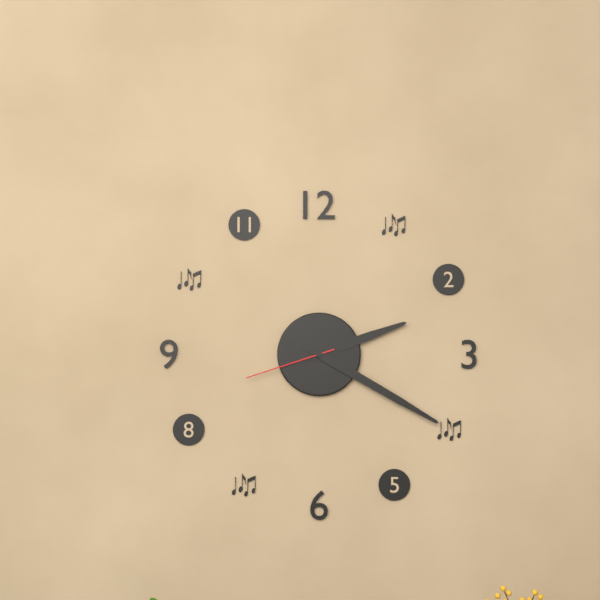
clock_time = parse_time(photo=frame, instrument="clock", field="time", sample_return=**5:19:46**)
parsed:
**2:20:42**
